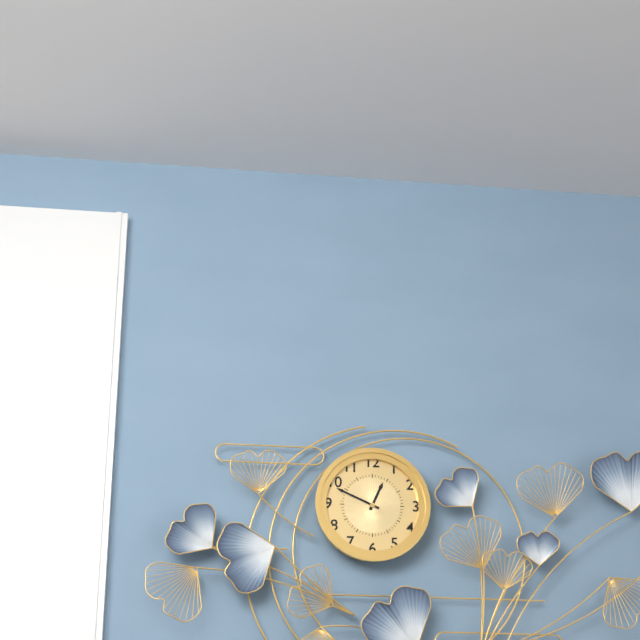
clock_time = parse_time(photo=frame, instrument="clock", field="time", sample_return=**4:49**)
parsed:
**12:49**
